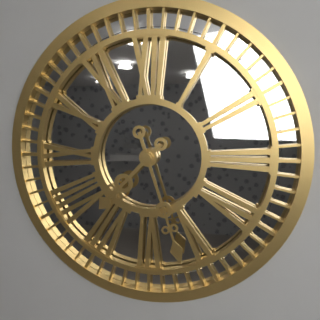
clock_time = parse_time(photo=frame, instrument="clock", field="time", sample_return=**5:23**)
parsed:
**7:27**
